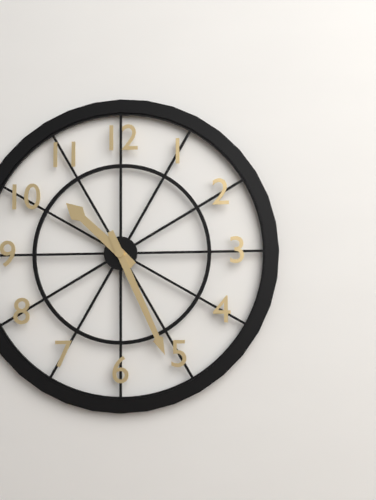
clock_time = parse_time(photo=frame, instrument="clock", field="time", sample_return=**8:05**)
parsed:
**10:26**
